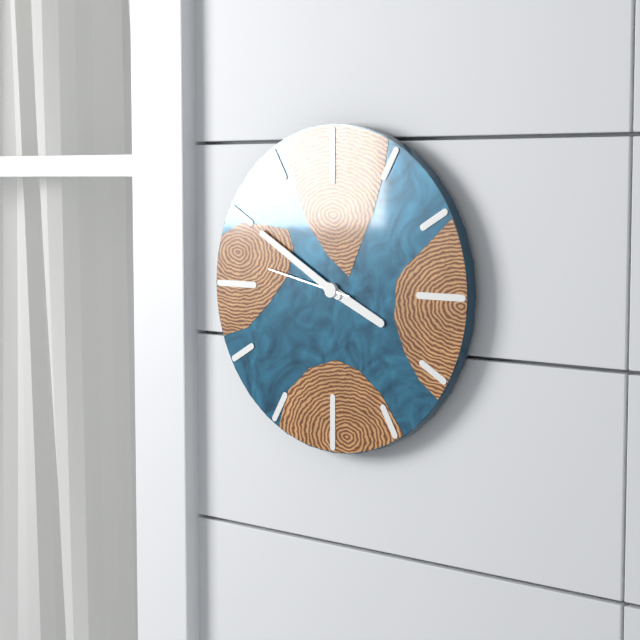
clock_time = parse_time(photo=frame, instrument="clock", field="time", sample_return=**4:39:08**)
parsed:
**3:50:47**
